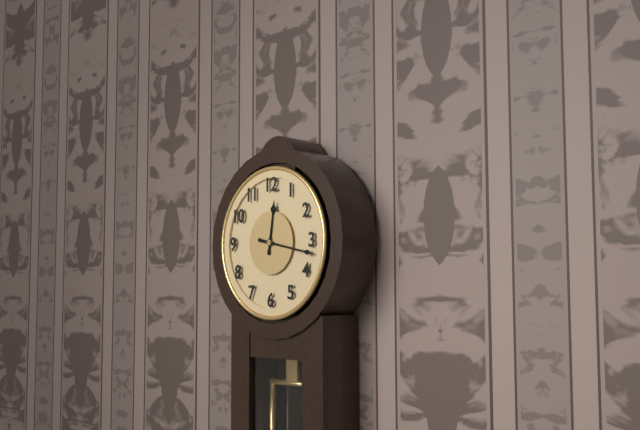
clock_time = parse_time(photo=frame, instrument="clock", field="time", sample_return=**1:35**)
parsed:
**12:17**
